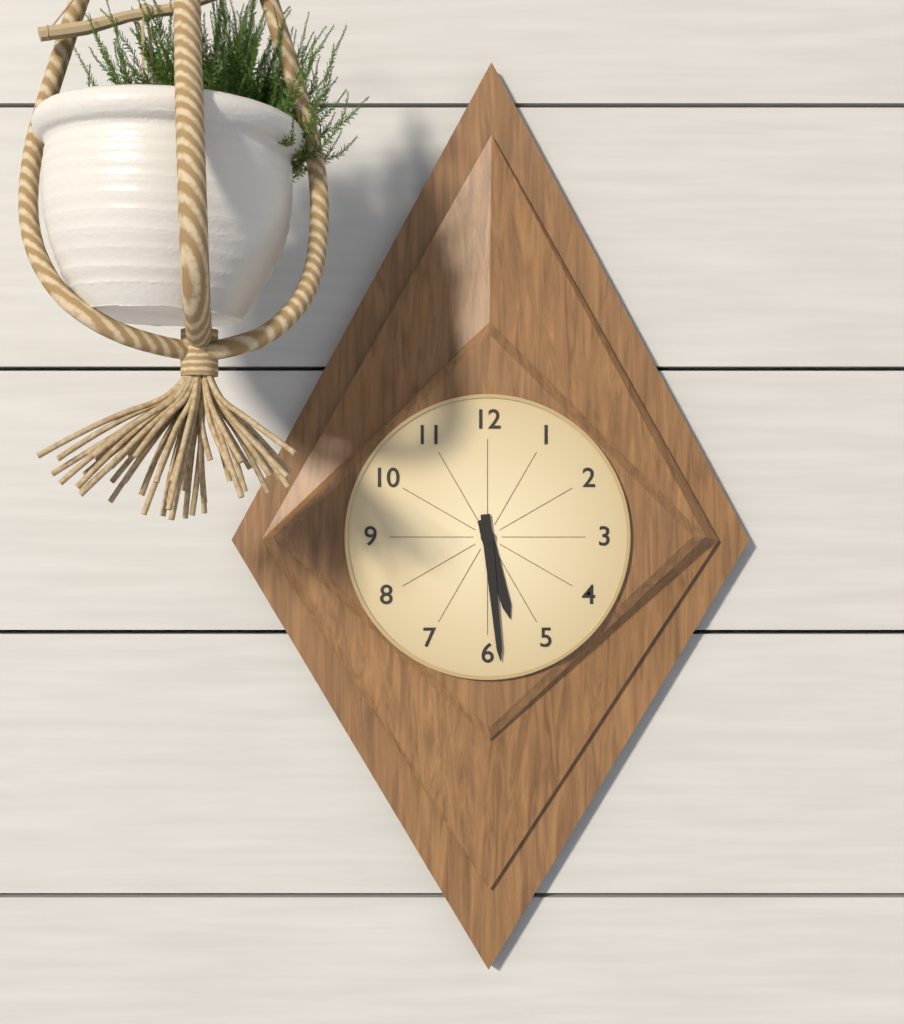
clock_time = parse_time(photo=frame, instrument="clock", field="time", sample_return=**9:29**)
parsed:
**5:29**
